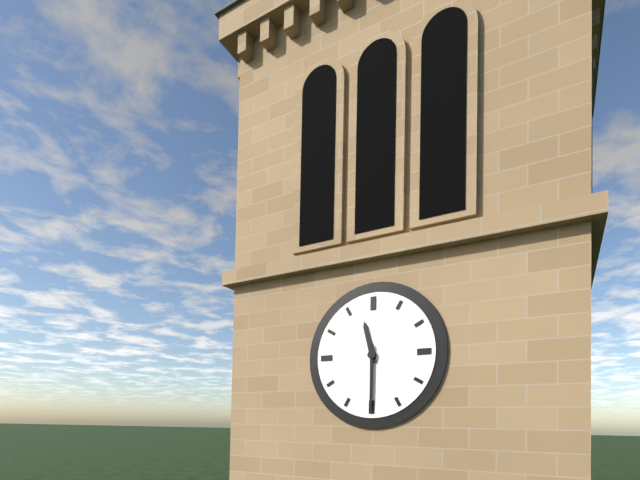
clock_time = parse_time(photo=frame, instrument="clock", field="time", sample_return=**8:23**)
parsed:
**11:30**
